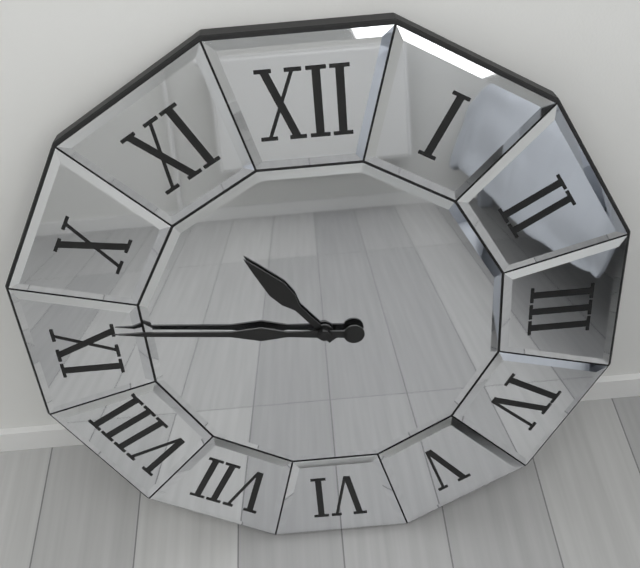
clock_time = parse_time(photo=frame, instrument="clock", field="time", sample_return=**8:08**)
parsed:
**10:46**
